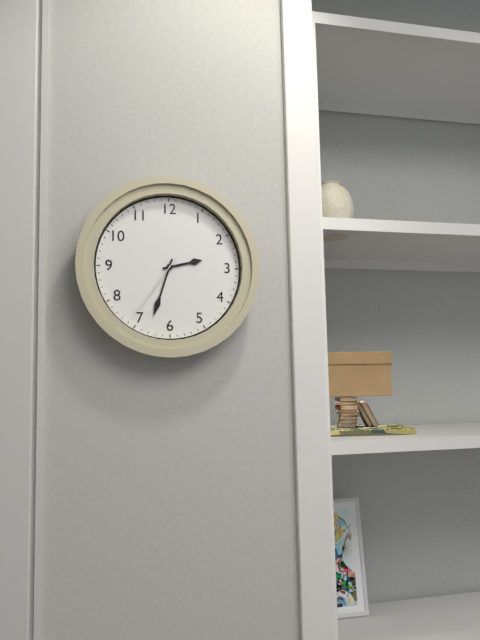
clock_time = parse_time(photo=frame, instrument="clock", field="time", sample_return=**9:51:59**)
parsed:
**2:33:36**
